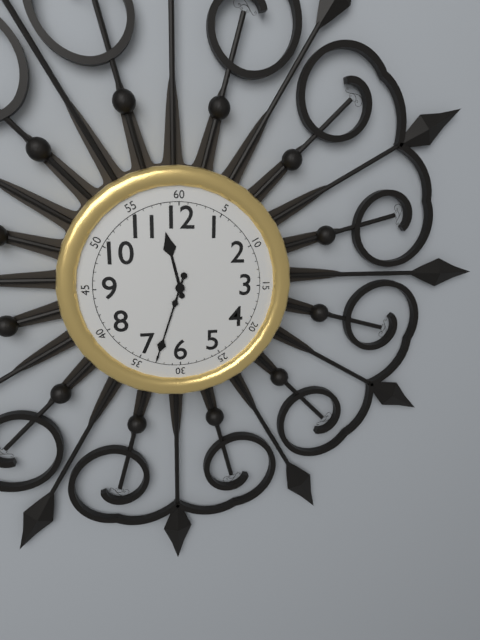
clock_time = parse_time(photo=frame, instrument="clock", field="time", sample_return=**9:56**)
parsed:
**11:33**
